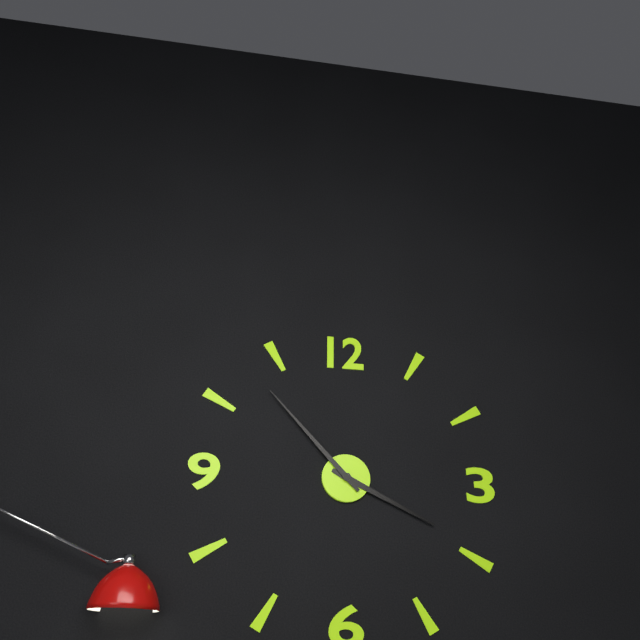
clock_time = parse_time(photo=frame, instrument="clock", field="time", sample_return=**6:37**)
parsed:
**3:53**
